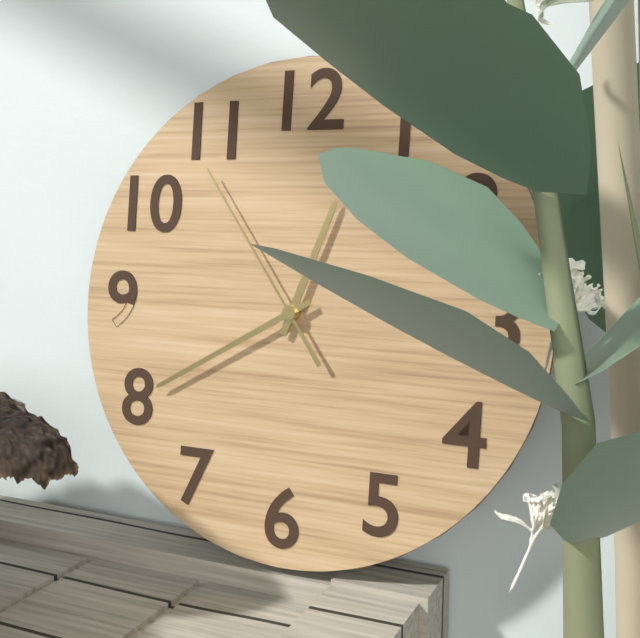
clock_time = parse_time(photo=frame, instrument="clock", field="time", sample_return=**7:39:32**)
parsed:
**12:40:54**
